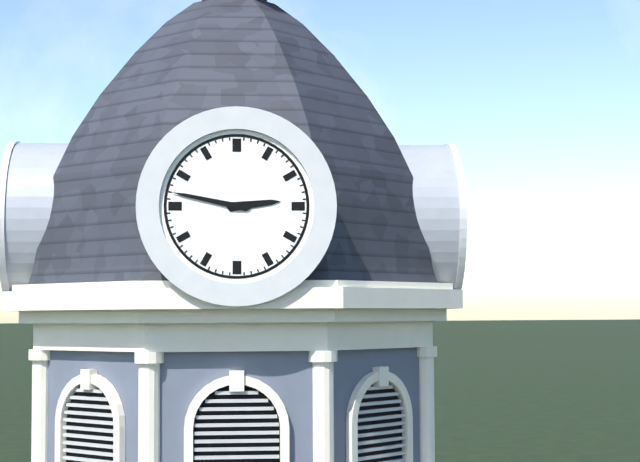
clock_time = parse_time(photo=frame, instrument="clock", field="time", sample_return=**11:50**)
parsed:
**2:47**
